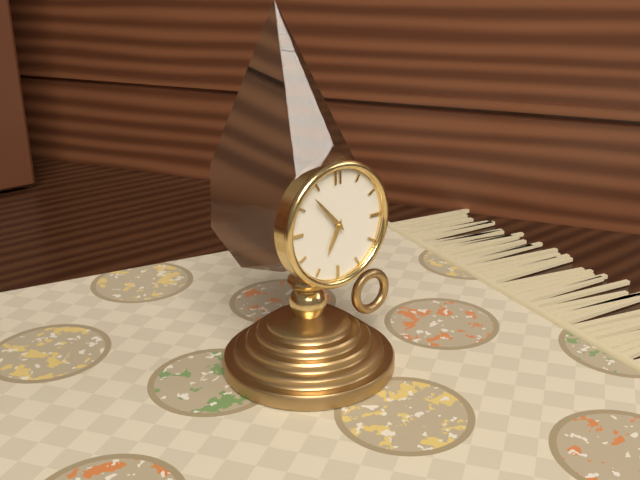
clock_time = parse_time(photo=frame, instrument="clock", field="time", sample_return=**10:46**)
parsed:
**6:53**
